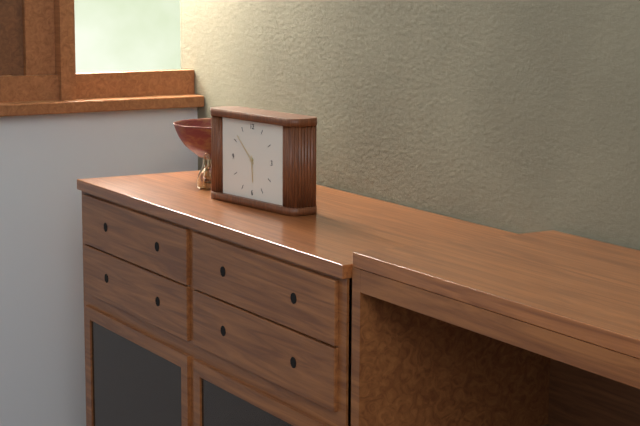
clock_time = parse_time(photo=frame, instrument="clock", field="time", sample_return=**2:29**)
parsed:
**5:52**
